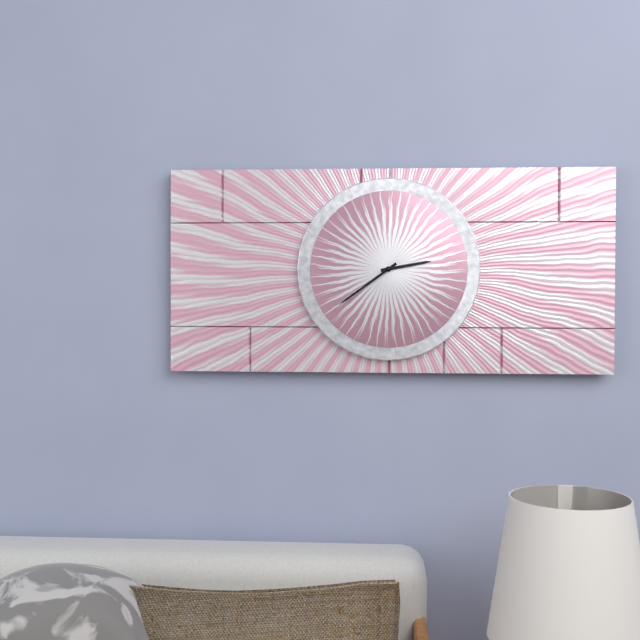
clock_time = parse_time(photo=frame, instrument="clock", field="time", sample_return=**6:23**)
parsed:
**2:39**
